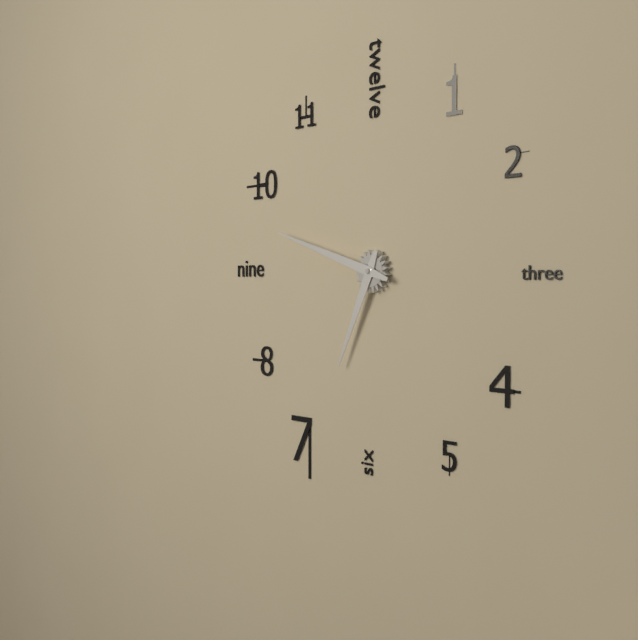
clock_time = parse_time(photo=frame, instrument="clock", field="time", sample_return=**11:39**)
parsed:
**6:48**
